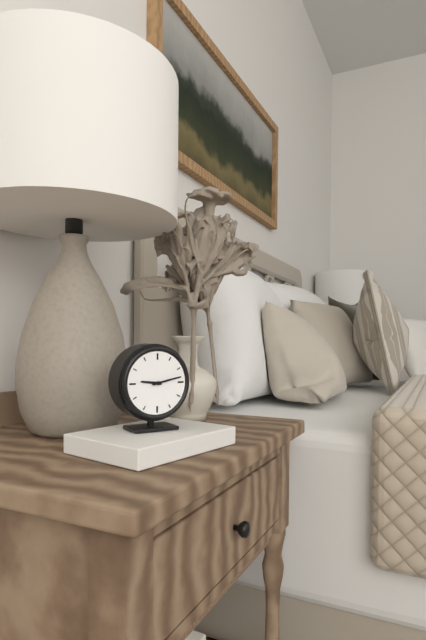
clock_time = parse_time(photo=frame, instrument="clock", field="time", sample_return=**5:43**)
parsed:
**9:13**
